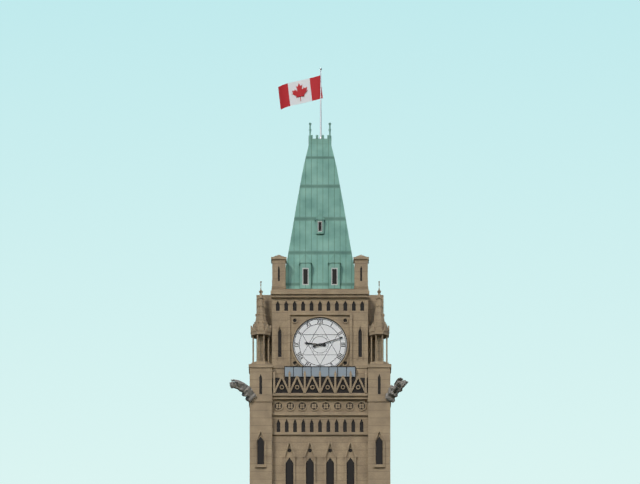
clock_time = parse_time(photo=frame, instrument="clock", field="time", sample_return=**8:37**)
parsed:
**9:12**
